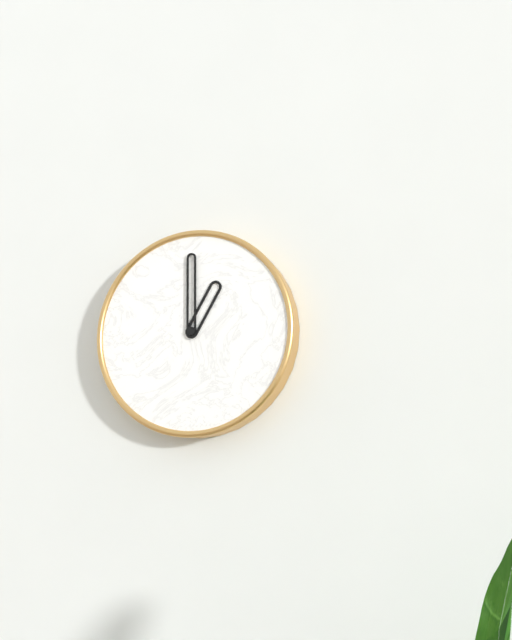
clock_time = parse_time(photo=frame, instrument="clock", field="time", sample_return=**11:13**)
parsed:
**1:00**
